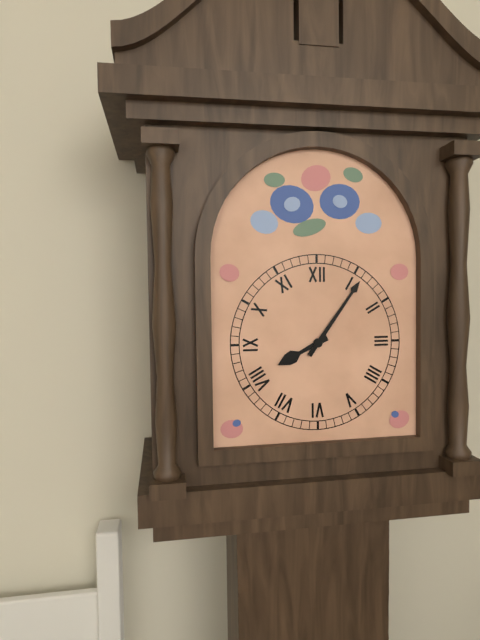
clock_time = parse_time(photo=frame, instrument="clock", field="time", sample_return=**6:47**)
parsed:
**8:06**
